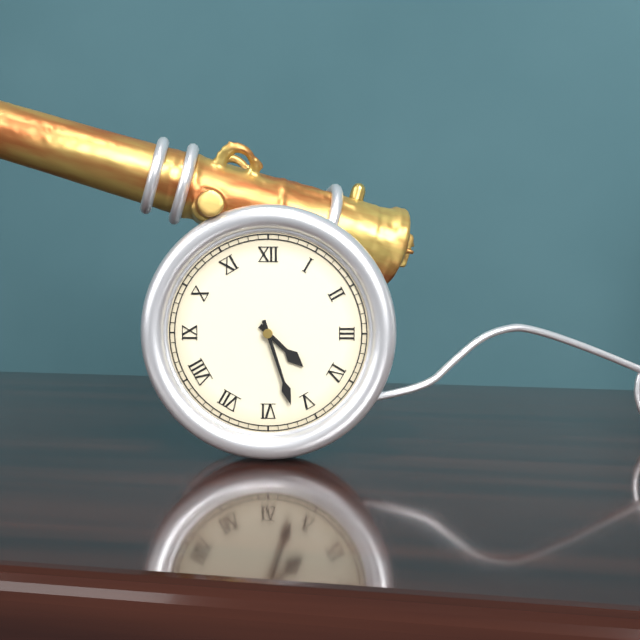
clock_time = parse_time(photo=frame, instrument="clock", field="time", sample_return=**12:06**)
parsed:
**4:27**
